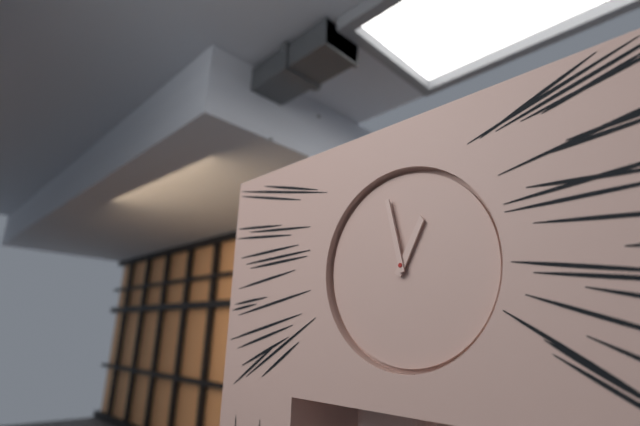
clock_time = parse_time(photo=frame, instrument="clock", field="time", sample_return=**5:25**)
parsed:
**12:58**
